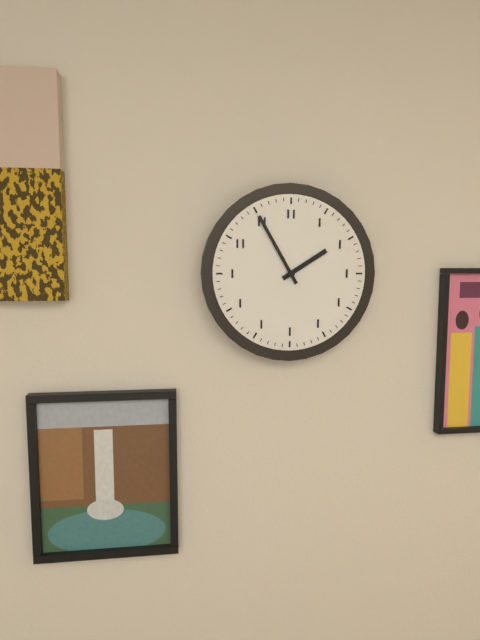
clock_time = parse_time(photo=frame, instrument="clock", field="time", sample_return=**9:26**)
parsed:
**1:55**
